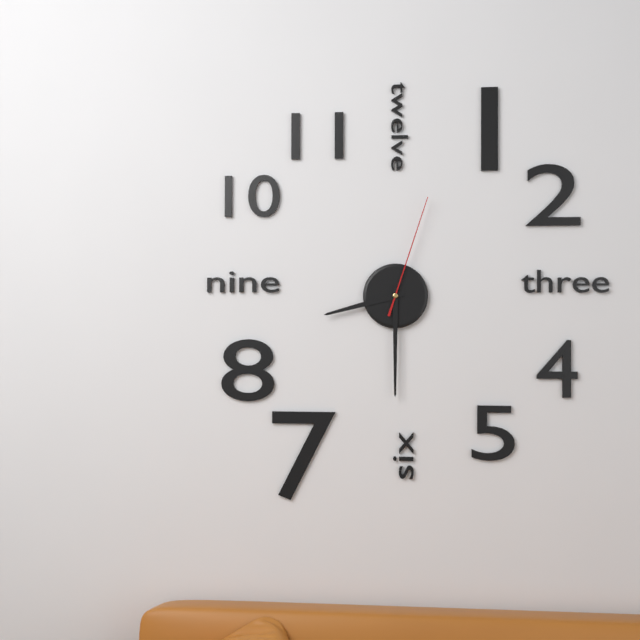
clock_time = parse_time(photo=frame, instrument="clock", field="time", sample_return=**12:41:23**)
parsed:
**8:30:03**
